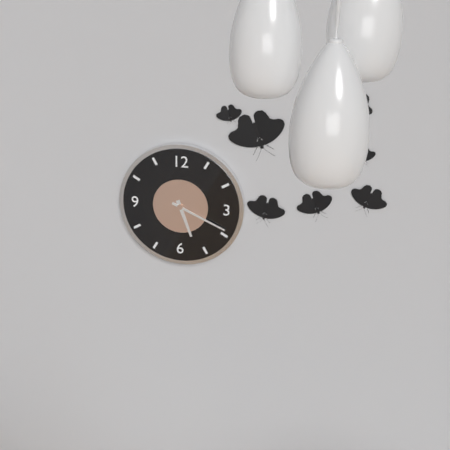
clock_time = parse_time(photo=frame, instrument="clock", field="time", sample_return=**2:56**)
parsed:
**5:19**
